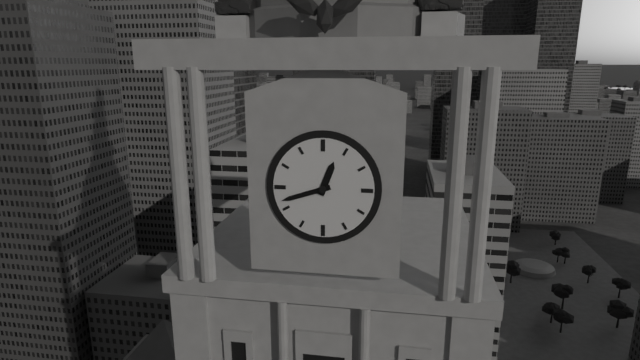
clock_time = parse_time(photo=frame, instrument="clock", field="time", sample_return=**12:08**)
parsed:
**12:42**
